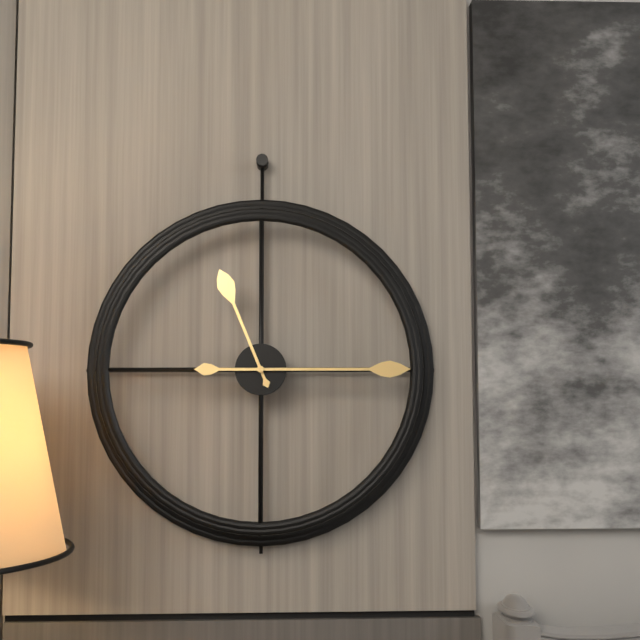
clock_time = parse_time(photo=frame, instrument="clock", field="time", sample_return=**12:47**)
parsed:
**11:15**
